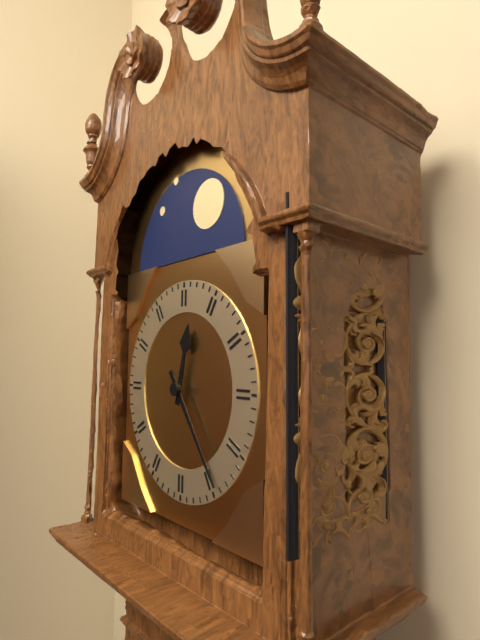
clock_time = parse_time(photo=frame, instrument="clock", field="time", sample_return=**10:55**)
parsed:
**12:24**
